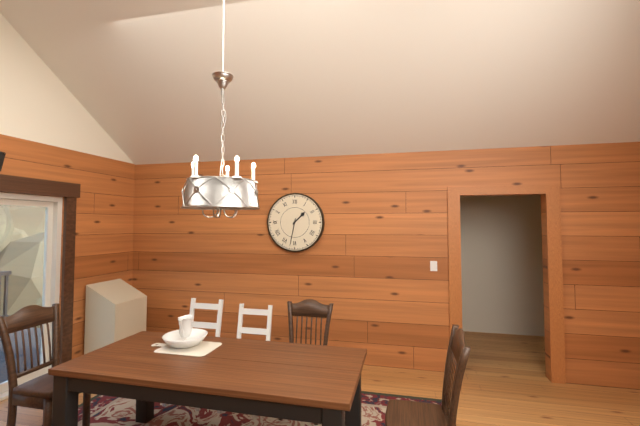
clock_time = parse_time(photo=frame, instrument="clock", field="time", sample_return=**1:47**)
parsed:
**1:32**
